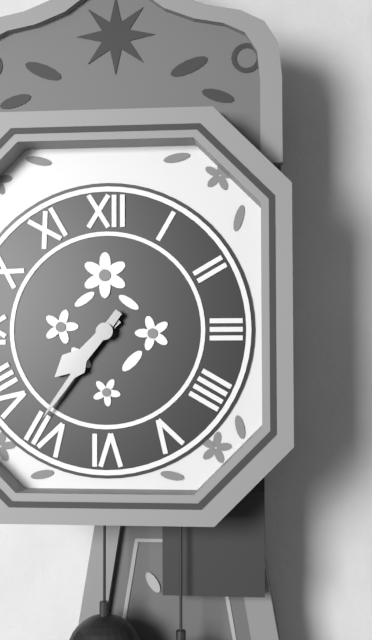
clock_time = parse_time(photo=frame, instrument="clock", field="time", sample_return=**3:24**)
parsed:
**7:36**
